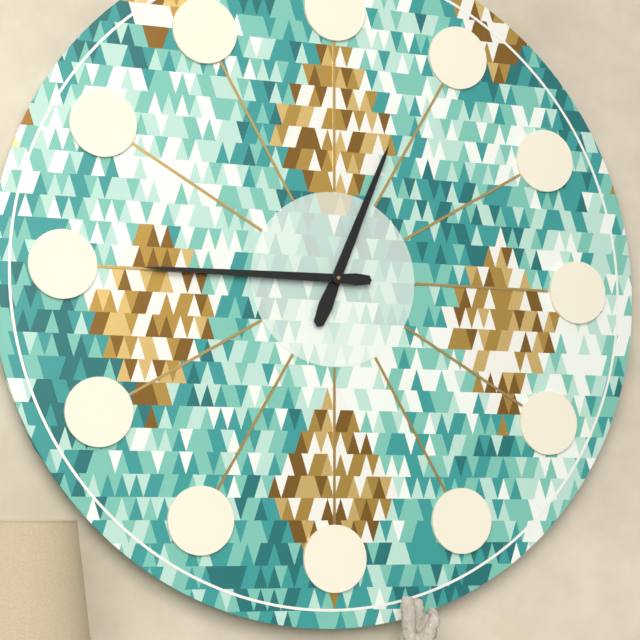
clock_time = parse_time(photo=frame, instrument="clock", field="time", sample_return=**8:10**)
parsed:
**12:45**
